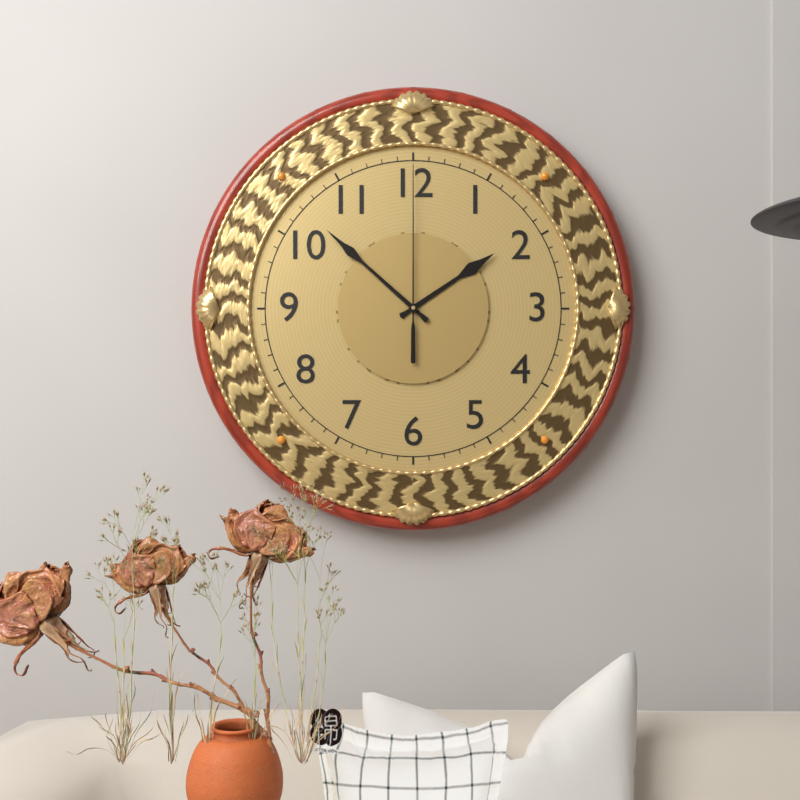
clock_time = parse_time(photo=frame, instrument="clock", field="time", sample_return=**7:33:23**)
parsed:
**1:52:00**
